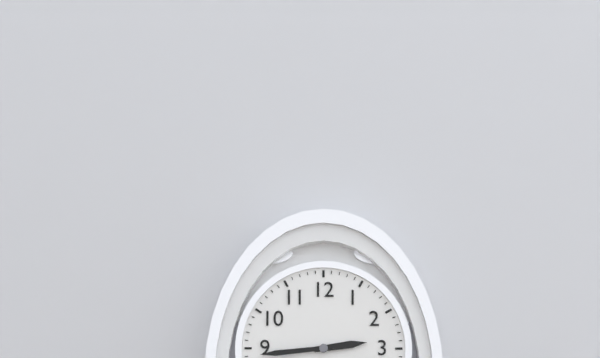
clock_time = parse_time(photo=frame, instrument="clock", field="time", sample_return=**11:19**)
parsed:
**2:44**
